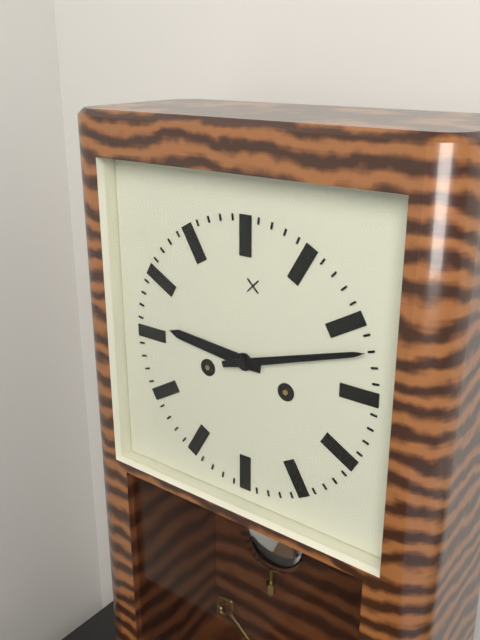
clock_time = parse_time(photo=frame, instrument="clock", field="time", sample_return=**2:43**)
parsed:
**9:12**
